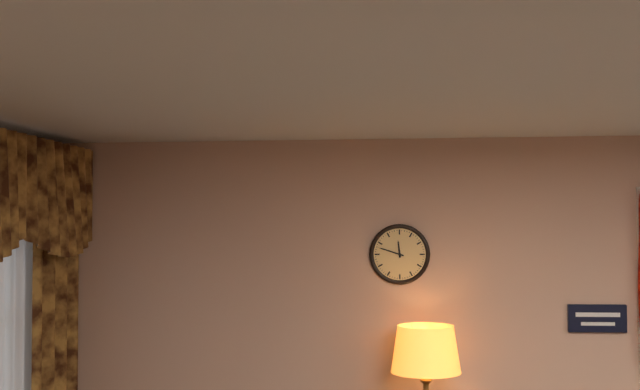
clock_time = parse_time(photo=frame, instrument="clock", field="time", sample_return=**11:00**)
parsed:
**11:48**
